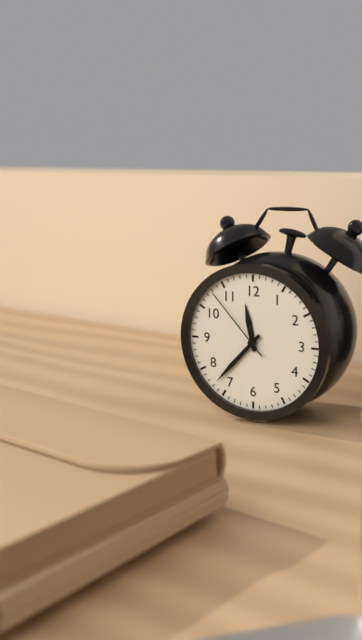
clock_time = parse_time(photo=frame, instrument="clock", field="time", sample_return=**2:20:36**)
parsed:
**11:37:53**
